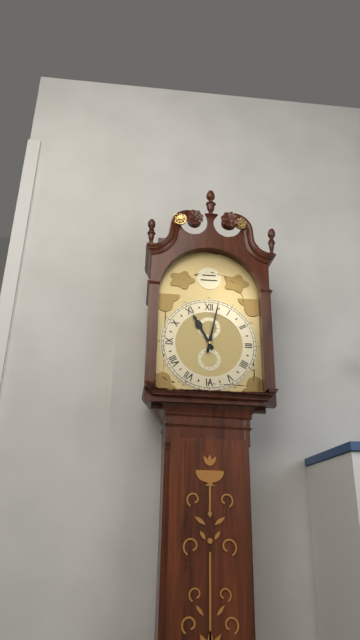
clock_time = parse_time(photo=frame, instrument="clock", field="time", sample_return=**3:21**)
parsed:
**11:02**
